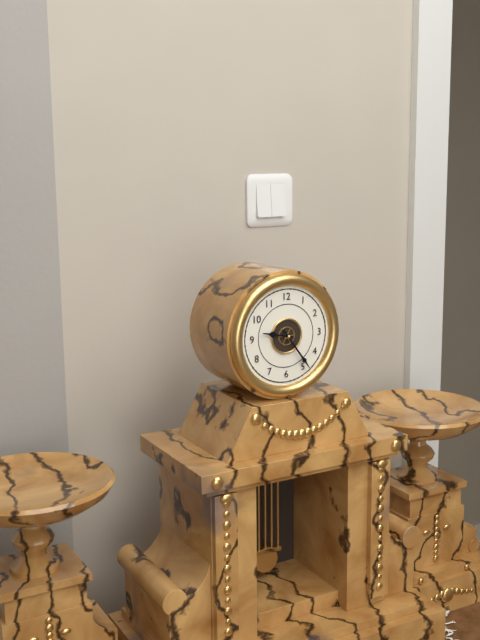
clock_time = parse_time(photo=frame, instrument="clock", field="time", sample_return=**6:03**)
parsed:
**9:24**
